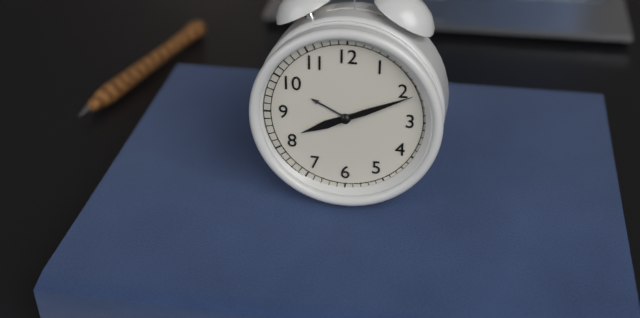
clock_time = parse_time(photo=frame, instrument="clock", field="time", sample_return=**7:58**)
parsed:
**8:11**
